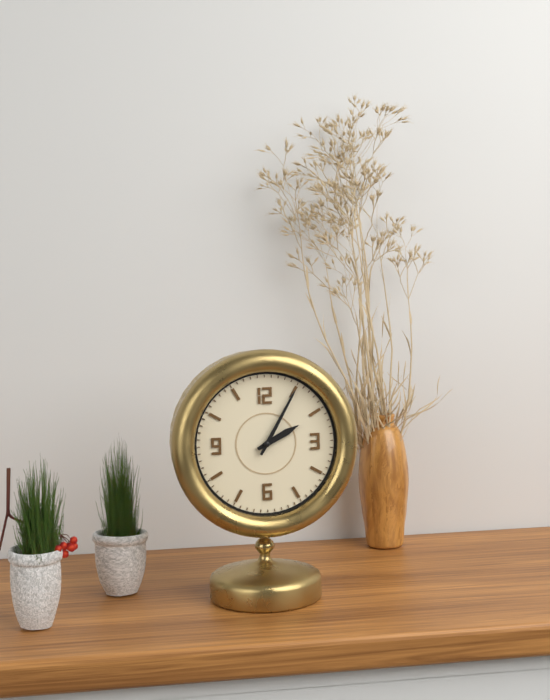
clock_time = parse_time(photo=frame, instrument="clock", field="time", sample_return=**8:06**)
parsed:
**2:05**
